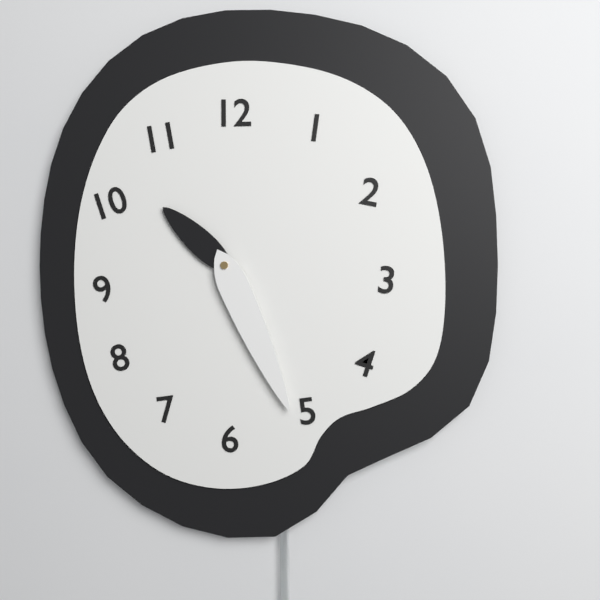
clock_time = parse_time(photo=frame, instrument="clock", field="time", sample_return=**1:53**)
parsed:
**10:26**
